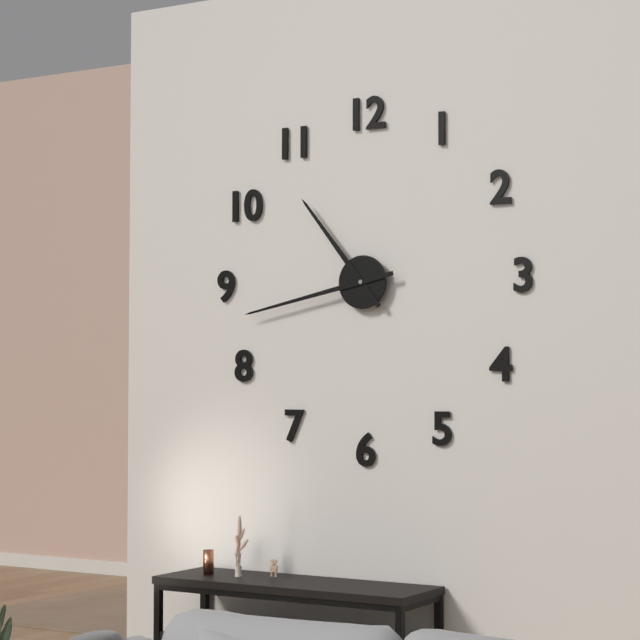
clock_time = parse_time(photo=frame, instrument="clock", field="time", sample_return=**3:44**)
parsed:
**10:43**
